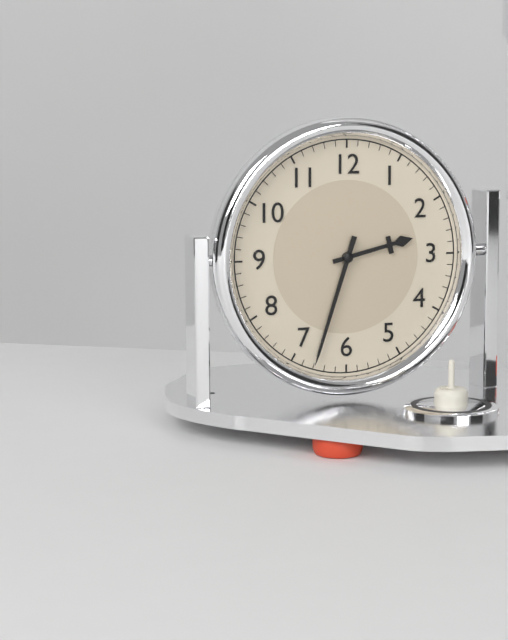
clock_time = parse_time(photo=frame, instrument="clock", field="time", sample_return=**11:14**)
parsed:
**2:33**
